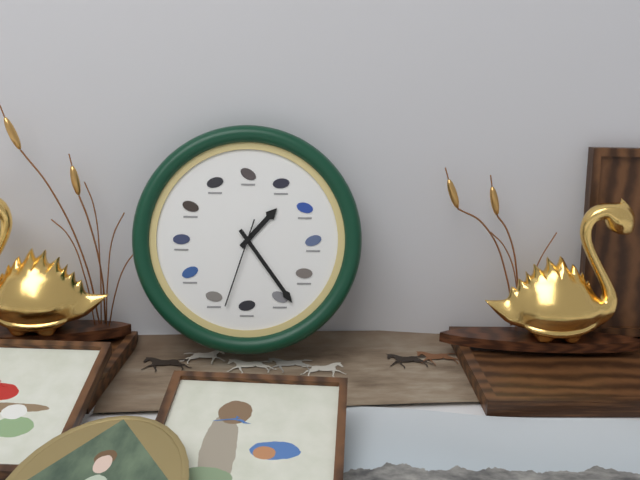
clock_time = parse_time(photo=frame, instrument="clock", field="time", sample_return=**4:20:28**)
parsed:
**1:24:33**
